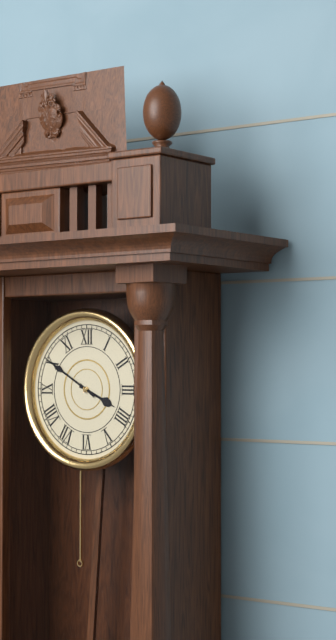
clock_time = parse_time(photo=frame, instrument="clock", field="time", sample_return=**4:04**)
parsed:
**3:50**
